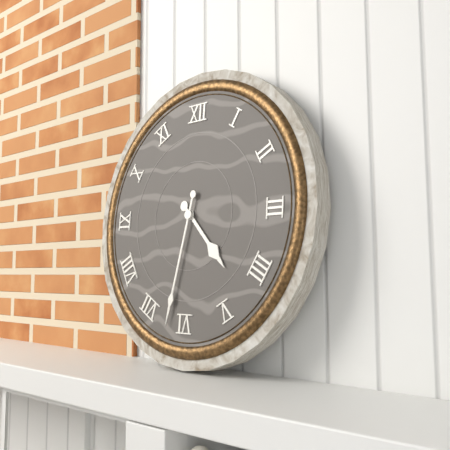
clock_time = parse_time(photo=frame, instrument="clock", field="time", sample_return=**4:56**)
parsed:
**4:32**
